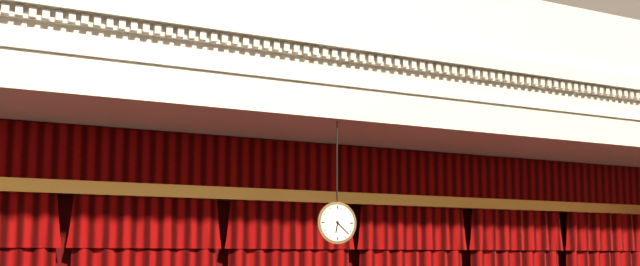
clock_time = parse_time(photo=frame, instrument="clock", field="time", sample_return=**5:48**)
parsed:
**6:22**
